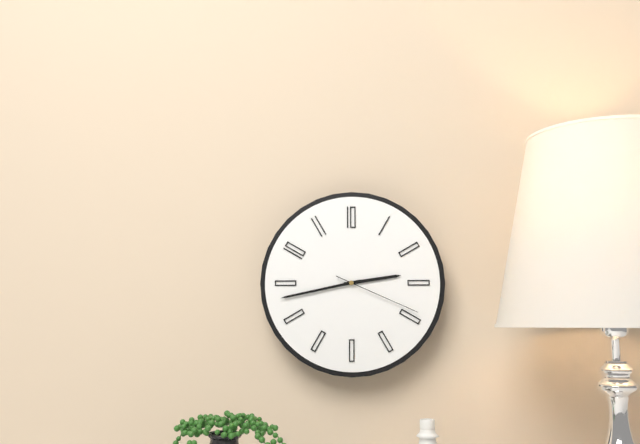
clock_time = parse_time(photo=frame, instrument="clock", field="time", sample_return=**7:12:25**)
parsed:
**2:43:19**
